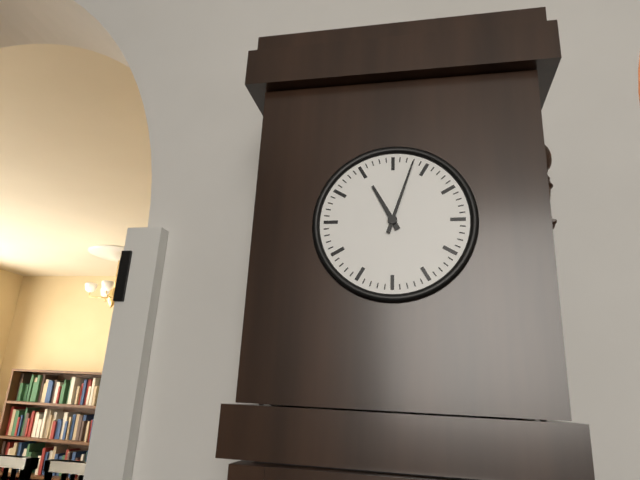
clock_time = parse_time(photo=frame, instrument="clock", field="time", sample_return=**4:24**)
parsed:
**11:03**
